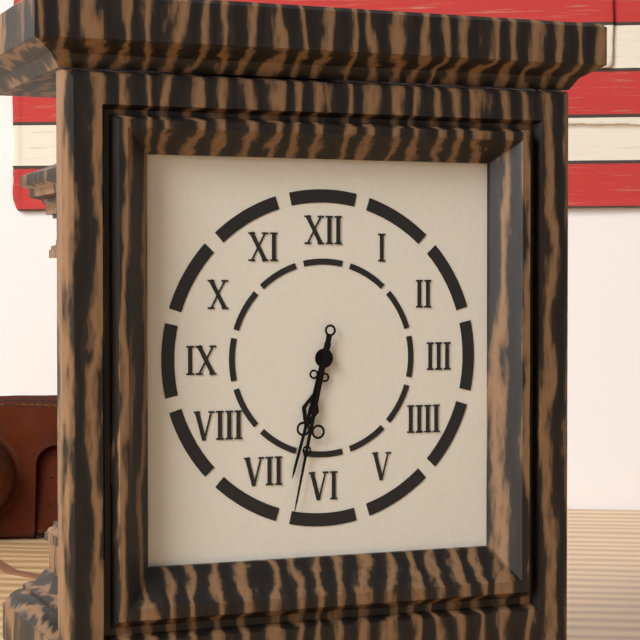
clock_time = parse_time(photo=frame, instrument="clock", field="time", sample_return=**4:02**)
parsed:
**6:32**
